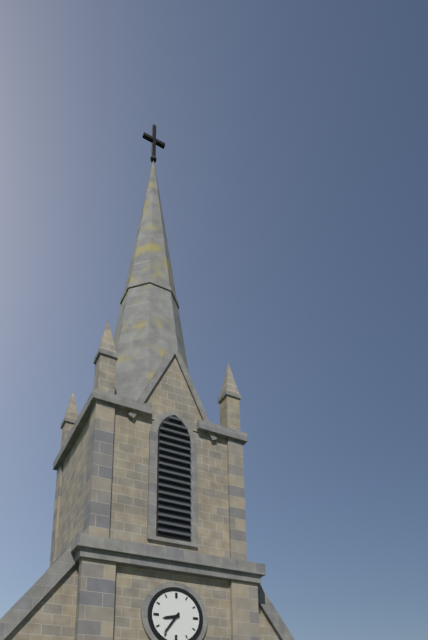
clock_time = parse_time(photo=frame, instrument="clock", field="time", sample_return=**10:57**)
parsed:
**8:36**
